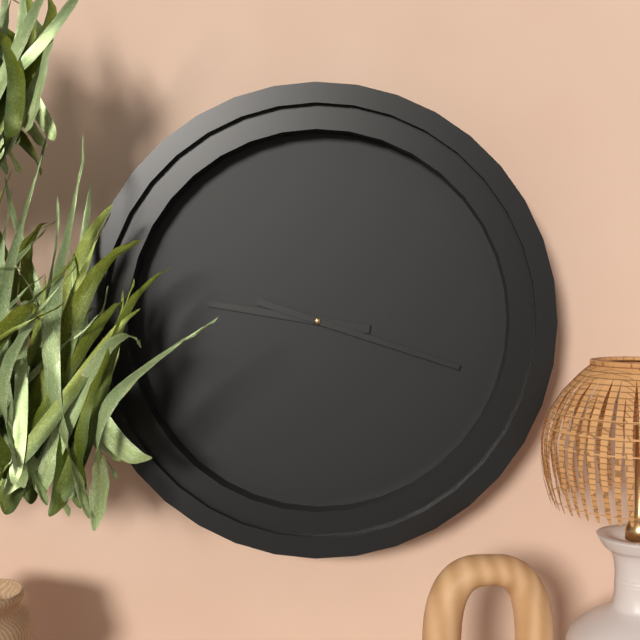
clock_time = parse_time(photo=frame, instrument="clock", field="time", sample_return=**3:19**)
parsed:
**9:18**
